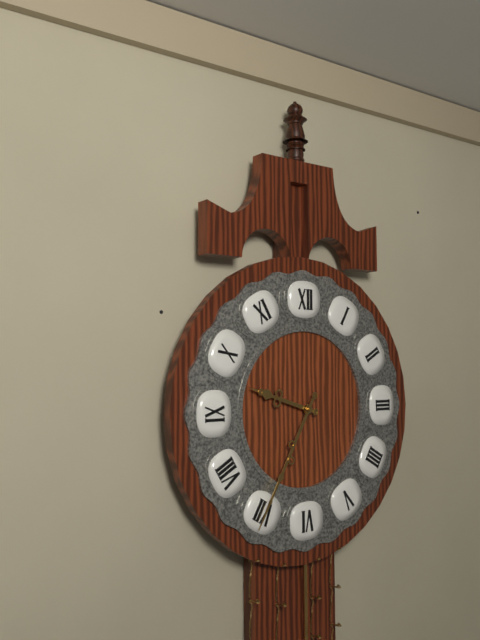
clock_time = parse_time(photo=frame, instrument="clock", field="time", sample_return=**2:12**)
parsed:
**9:35**
